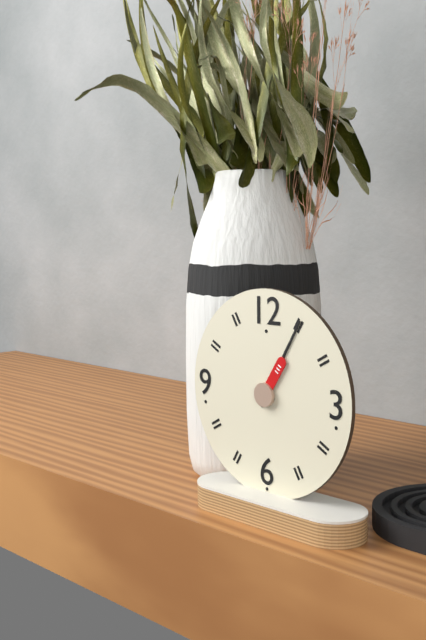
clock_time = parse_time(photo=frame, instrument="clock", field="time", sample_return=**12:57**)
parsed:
**1:05**
